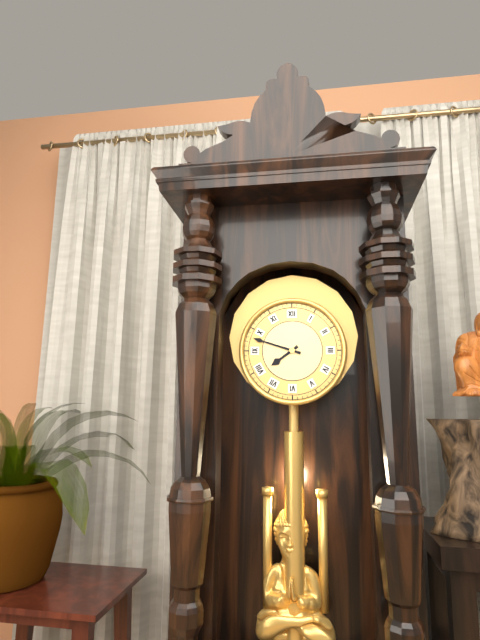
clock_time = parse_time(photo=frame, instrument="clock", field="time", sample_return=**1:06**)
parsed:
**7:48**
